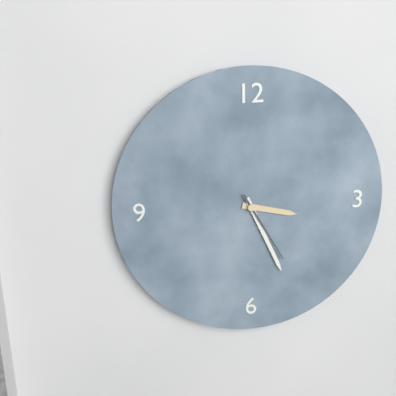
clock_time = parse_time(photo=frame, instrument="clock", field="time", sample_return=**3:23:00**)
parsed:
**3:26:25**
